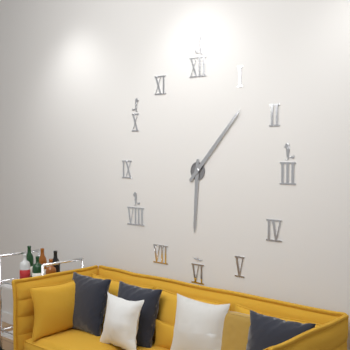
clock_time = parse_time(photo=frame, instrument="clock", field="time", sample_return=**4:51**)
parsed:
**6:07**
